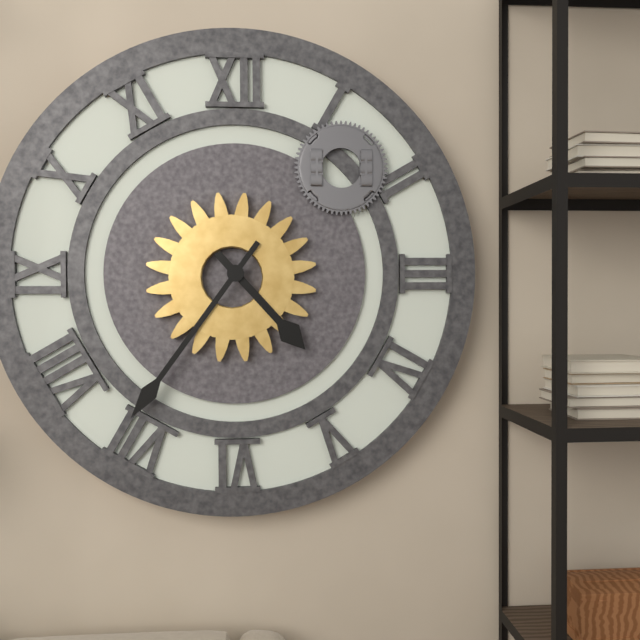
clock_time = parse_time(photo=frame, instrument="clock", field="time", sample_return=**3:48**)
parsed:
**4:36**
